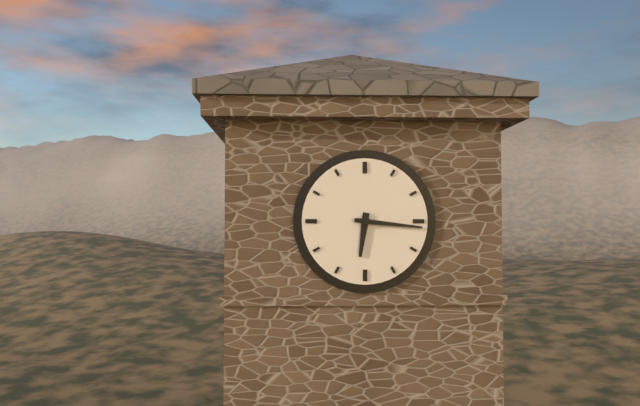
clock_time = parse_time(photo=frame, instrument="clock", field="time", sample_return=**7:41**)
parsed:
**6:16**
